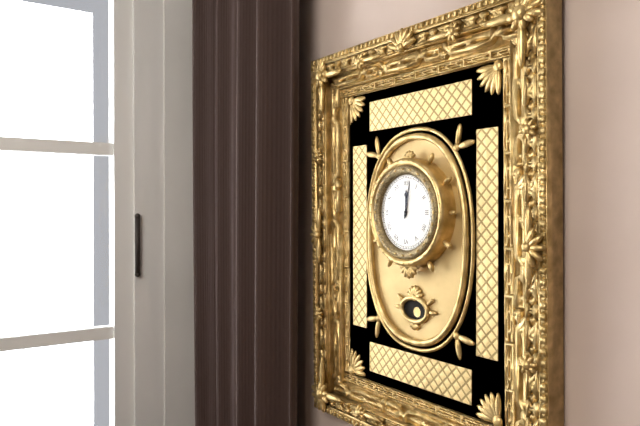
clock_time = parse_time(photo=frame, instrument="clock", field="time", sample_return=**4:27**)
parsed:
**12:02**
